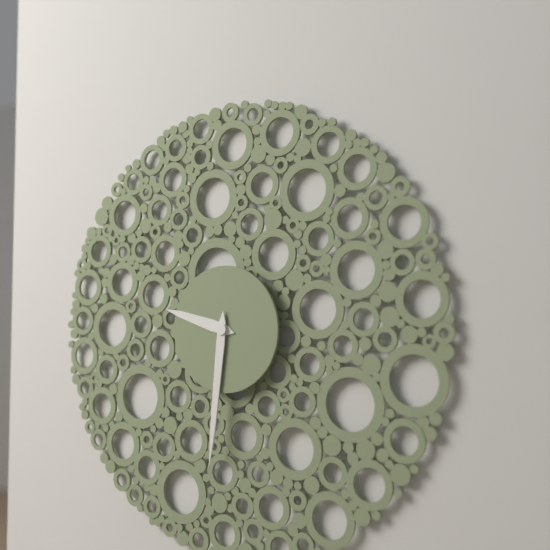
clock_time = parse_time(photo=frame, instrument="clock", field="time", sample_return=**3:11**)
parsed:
**9:31**
